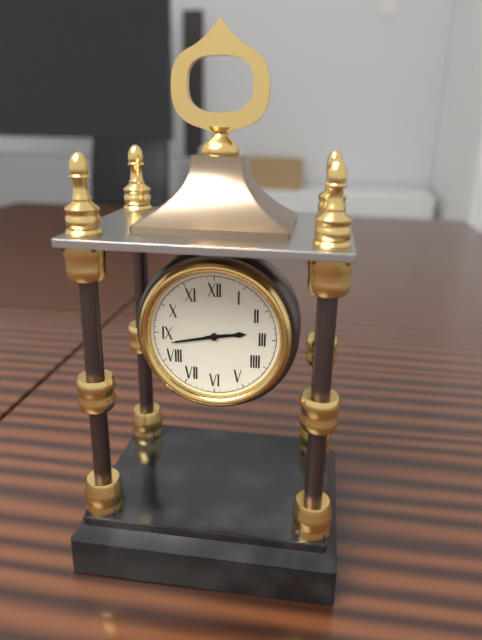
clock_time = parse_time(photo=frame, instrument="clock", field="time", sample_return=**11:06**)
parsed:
**2:43**
